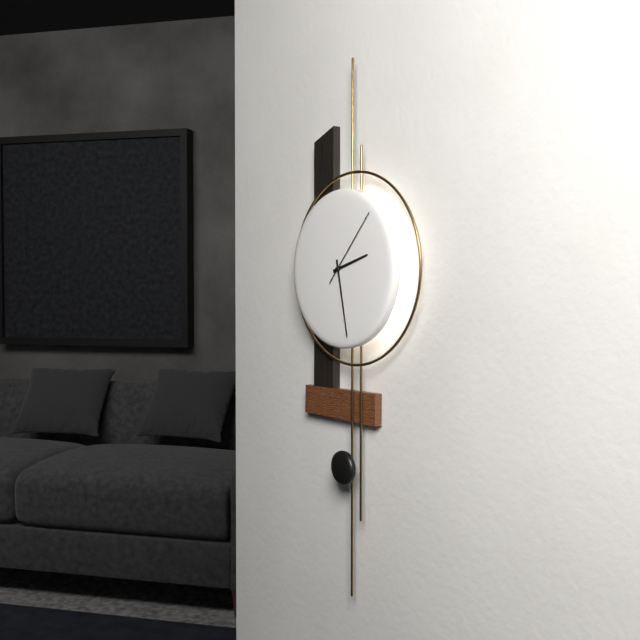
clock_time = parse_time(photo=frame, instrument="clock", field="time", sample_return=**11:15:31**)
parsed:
**2:28:07**
